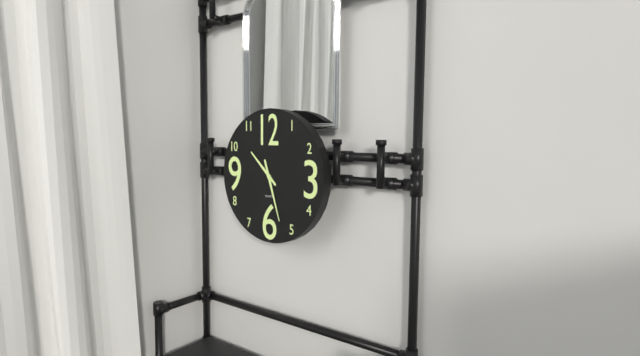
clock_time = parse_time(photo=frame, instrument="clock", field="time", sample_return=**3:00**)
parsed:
**10:27**
